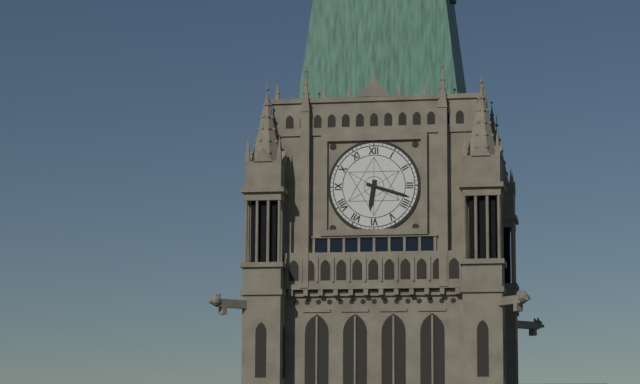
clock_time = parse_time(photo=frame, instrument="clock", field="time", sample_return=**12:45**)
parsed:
**6:18**
